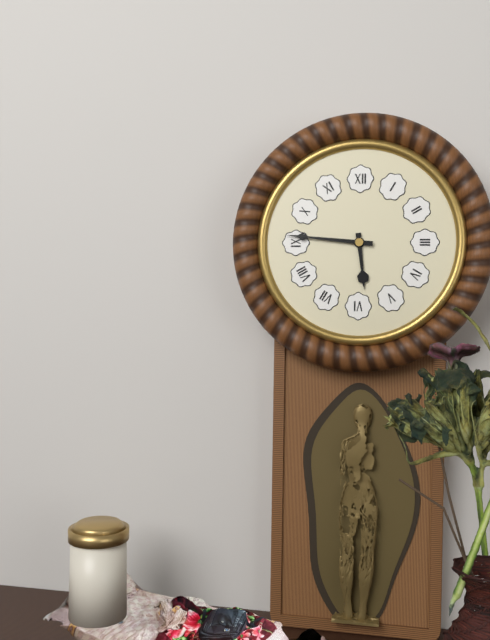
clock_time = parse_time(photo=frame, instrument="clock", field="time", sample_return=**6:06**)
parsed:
**5:46**
